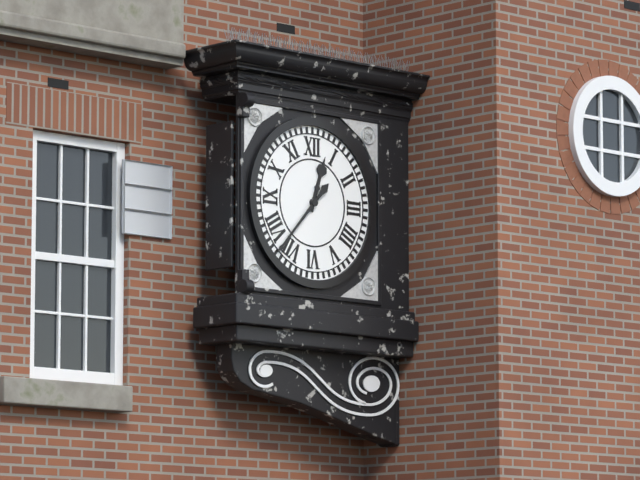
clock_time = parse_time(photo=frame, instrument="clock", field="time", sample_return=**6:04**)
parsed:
**12:37**
